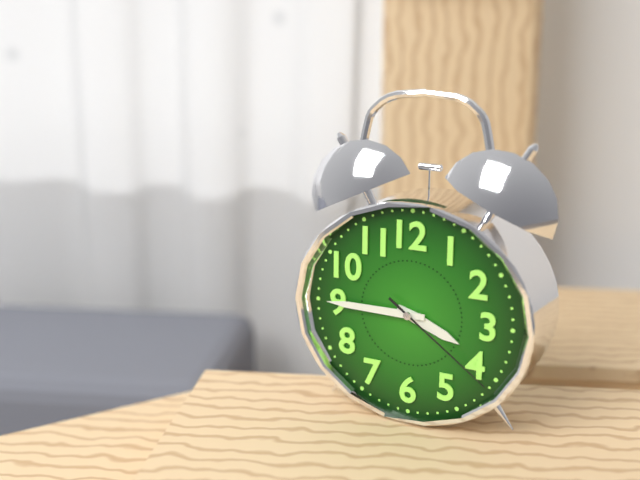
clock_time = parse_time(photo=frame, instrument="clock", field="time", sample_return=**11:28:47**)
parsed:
**3:45:21**
